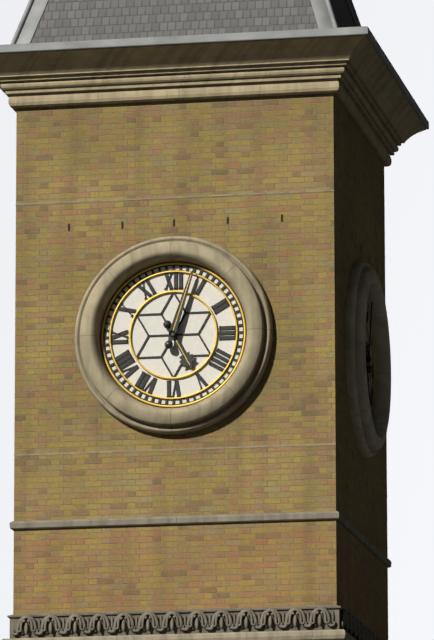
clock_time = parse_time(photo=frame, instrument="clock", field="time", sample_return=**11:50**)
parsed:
**5:03**
